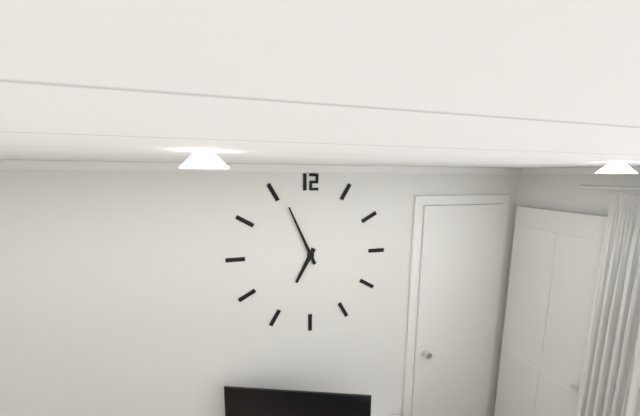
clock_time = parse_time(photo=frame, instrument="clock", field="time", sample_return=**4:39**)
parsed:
**6:56**
